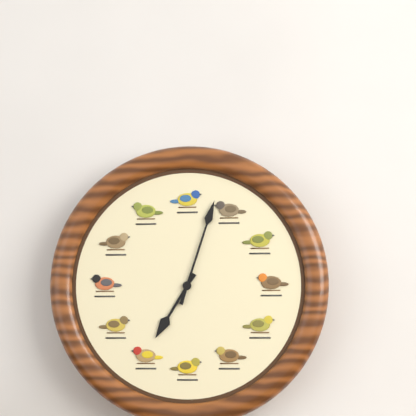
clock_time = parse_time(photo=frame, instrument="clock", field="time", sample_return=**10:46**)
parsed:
**7:03**
